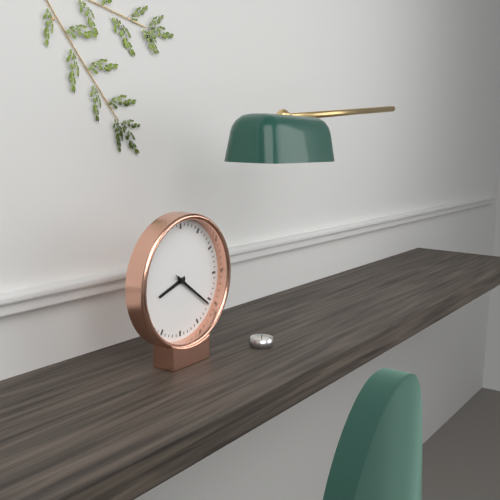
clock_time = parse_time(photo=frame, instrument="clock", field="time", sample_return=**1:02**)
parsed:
**8:21**
